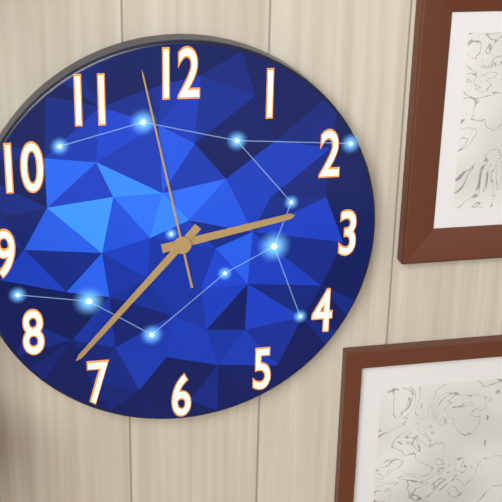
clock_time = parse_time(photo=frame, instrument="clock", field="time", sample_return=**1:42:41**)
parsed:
**2:37:58**
